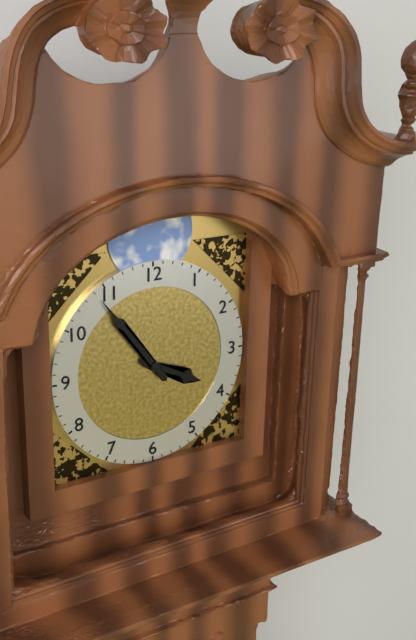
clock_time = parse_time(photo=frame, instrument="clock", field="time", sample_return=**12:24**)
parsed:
**3:54**
